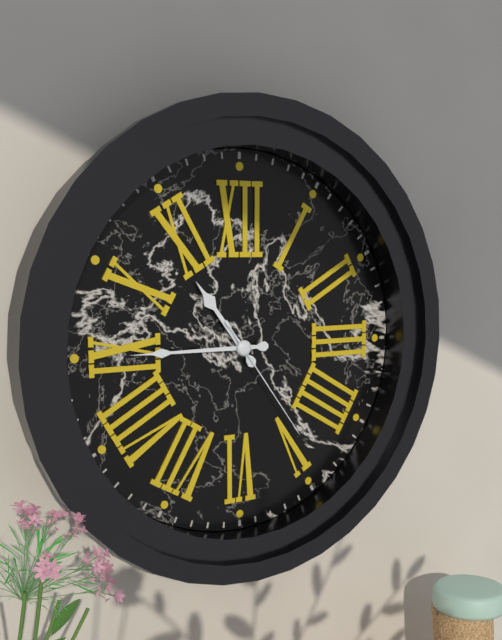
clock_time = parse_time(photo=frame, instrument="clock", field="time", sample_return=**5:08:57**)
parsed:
**10:45:24**
